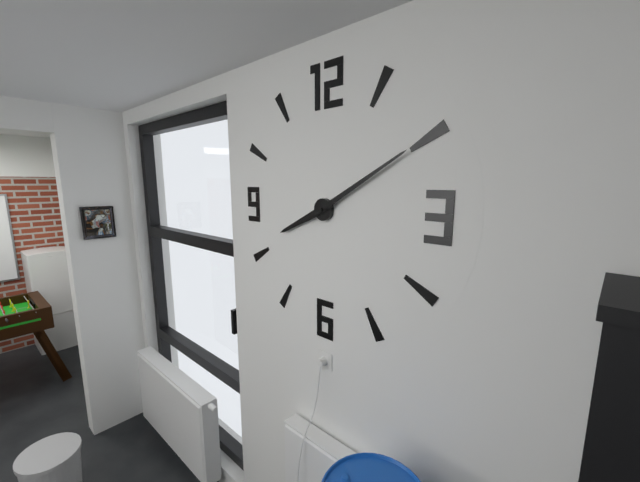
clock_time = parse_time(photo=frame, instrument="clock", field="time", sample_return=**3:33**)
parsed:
**8:10**
